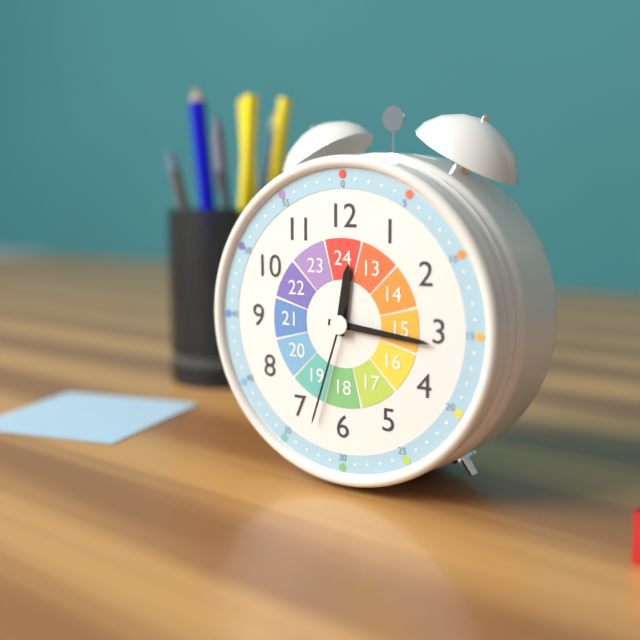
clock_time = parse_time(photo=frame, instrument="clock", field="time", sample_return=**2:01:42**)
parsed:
**12:16:33**
